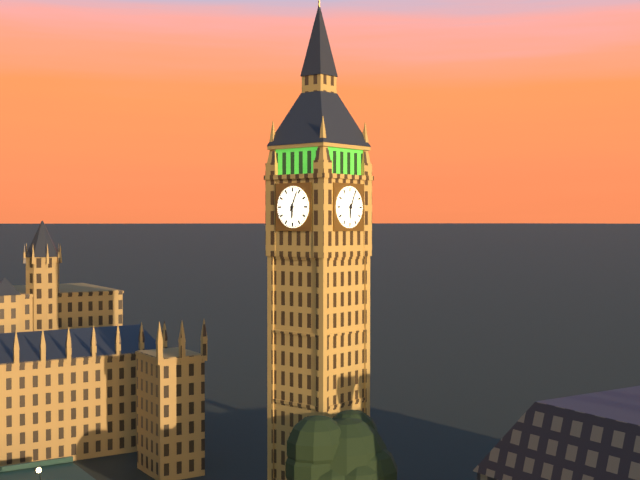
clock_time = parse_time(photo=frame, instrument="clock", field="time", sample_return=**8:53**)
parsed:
**6:04**
